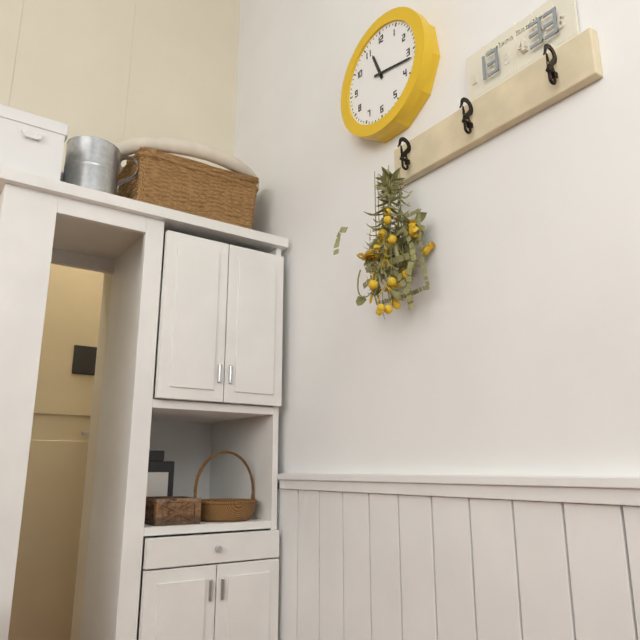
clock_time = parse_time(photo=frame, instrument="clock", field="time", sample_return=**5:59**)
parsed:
**11:17**
